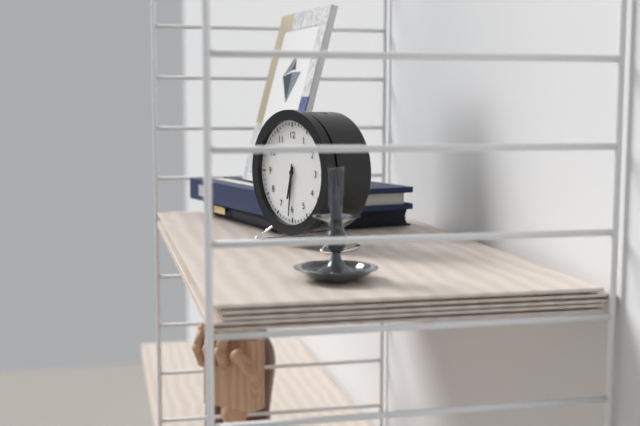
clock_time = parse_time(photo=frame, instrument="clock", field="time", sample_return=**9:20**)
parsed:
**6:31**
